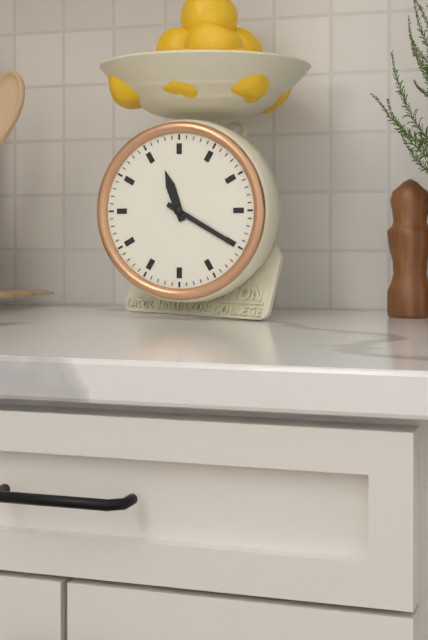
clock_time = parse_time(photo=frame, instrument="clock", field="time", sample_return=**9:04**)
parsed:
**11:20**
